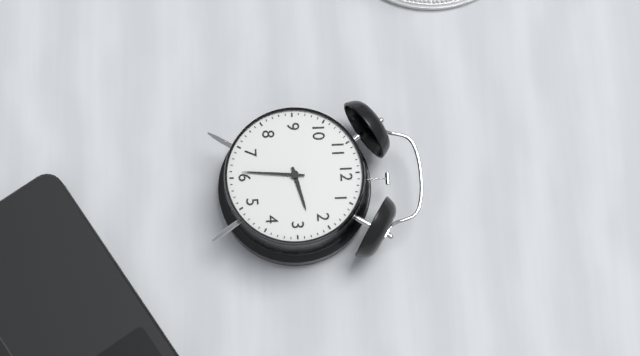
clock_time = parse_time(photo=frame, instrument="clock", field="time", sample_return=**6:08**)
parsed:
**2:31**
